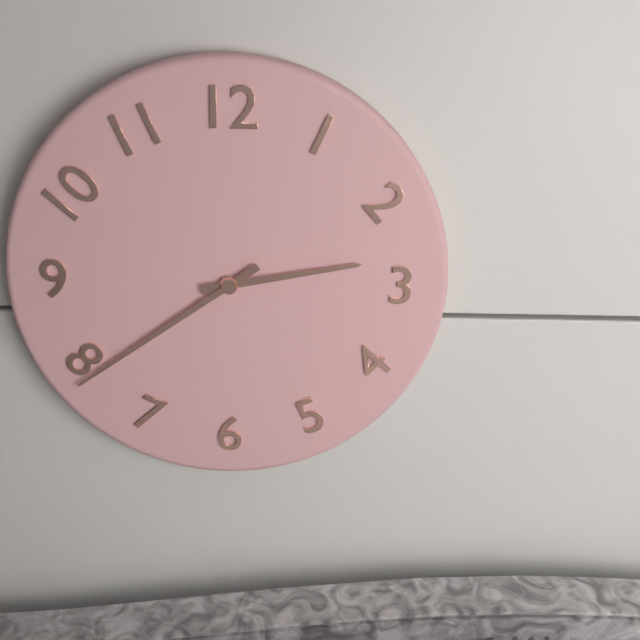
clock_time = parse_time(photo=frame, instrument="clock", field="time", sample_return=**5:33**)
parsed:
**2:39**
